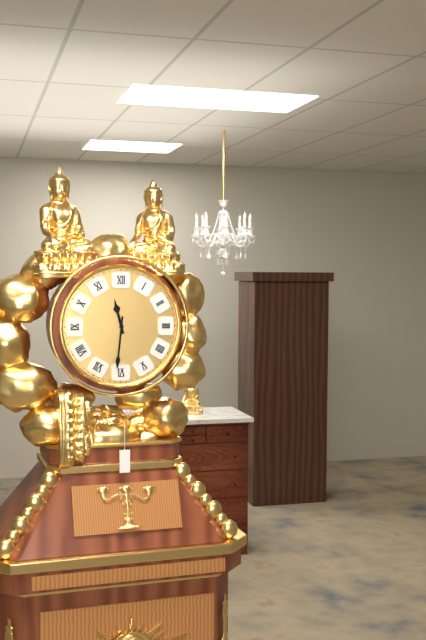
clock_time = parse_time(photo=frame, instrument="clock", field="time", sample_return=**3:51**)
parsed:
**11:31**
